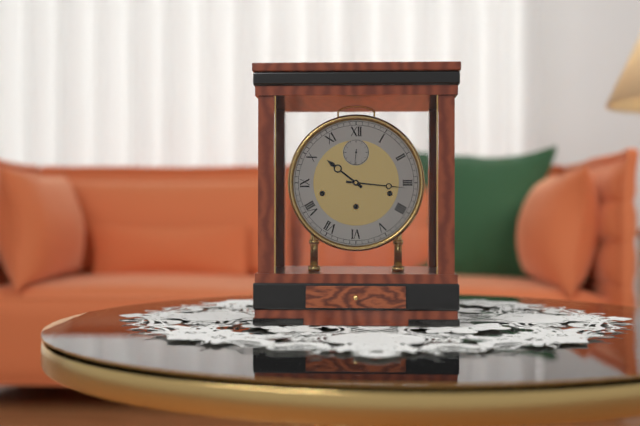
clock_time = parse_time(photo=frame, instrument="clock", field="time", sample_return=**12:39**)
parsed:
**10:16**
